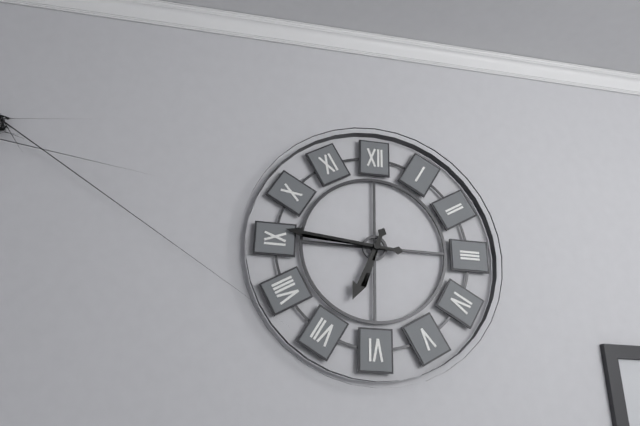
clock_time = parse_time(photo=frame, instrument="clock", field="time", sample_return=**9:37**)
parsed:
**6:46**
